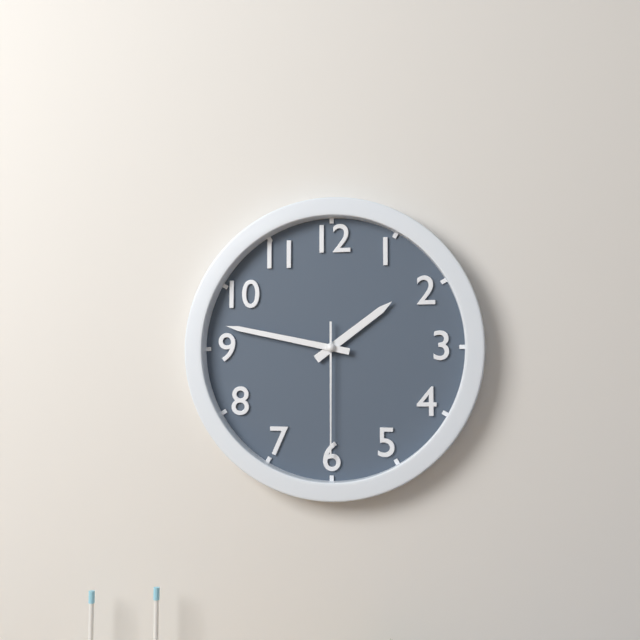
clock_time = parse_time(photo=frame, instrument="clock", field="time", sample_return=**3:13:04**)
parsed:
**1:47:30**
